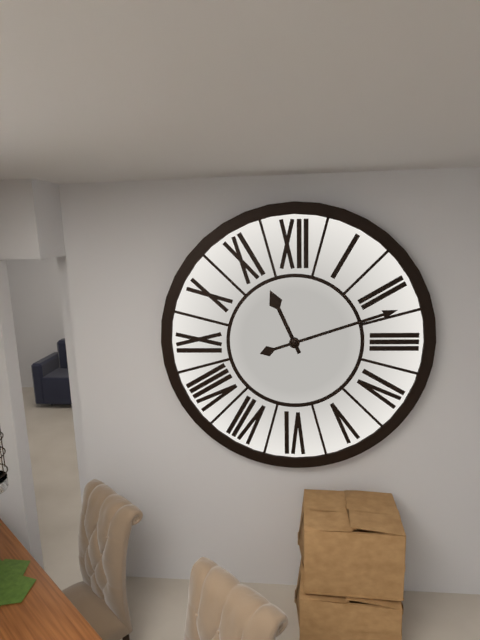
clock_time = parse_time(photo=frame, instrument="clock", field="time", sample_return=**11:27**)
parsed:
**11:12**
